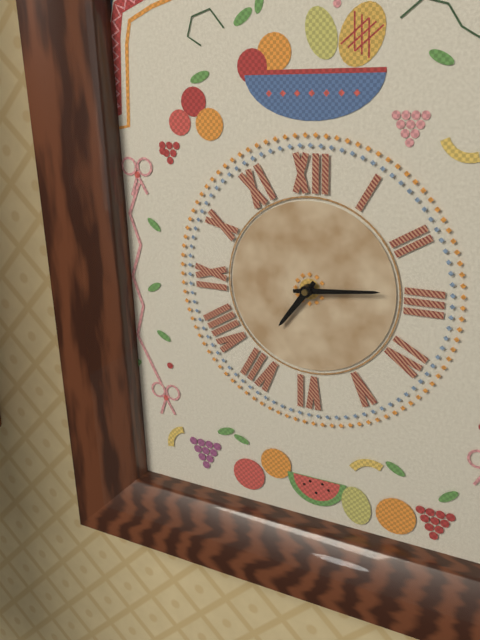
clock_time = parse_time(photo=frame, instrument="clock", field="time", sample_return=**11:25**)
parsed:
**7:14**
